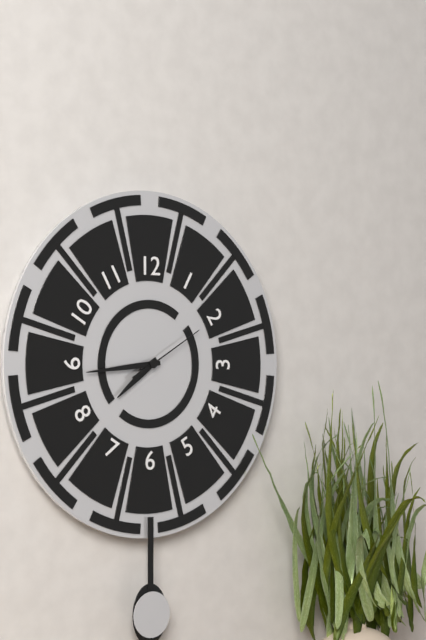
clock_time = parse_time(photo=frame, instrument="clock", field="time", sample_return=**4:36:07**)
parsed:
**7:44:10**
